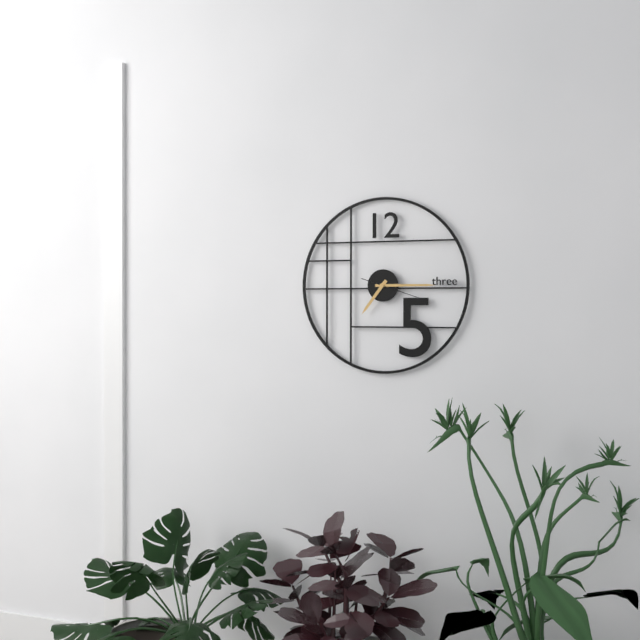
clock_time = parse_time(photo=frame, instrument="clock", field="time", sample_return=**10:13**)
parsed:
**7:15**
